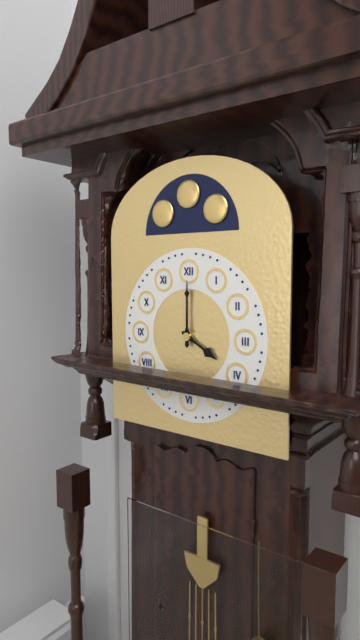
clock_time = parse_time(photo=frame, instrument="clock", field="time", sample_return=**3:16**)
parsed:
**4:00**
